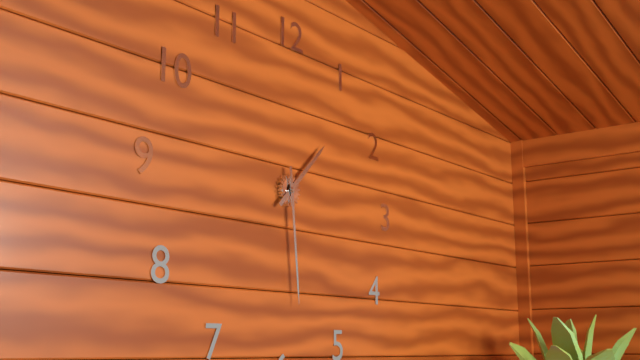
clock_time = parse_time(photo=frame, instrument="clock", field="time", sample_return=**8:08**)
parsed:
**1:29**
